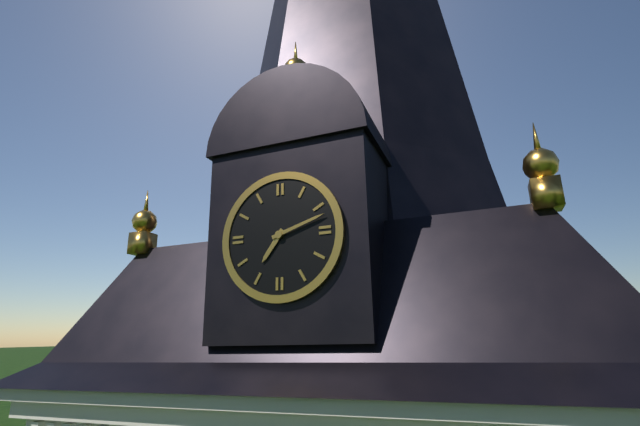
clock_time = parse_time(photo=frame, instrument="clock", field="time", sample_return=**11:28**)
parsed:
**7:12**
